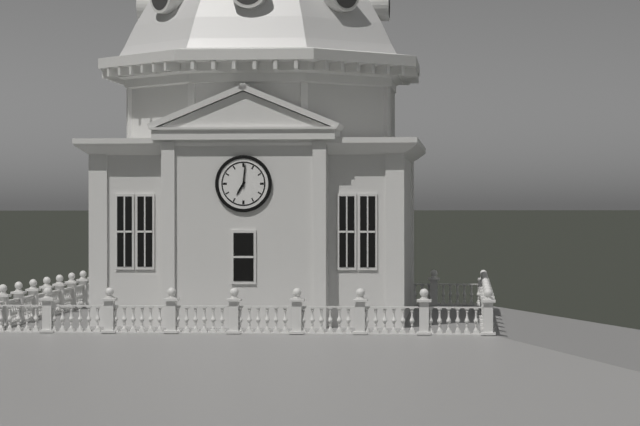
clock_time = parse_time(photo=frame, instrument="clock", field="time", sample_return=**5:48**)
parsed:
**7:01**
